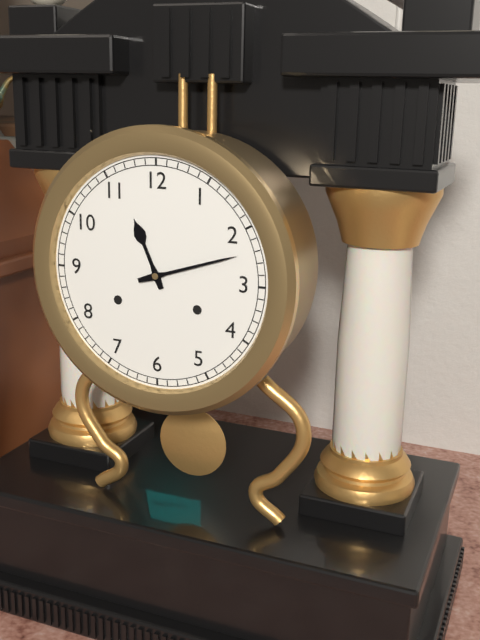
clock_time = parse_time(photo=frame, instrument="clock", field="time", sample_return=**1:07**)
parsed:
**11:12**
